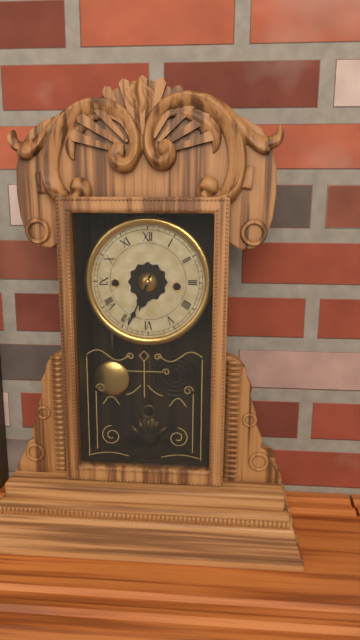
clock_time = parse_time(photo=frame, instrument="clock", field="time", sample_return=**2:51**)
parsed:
**6:34**
